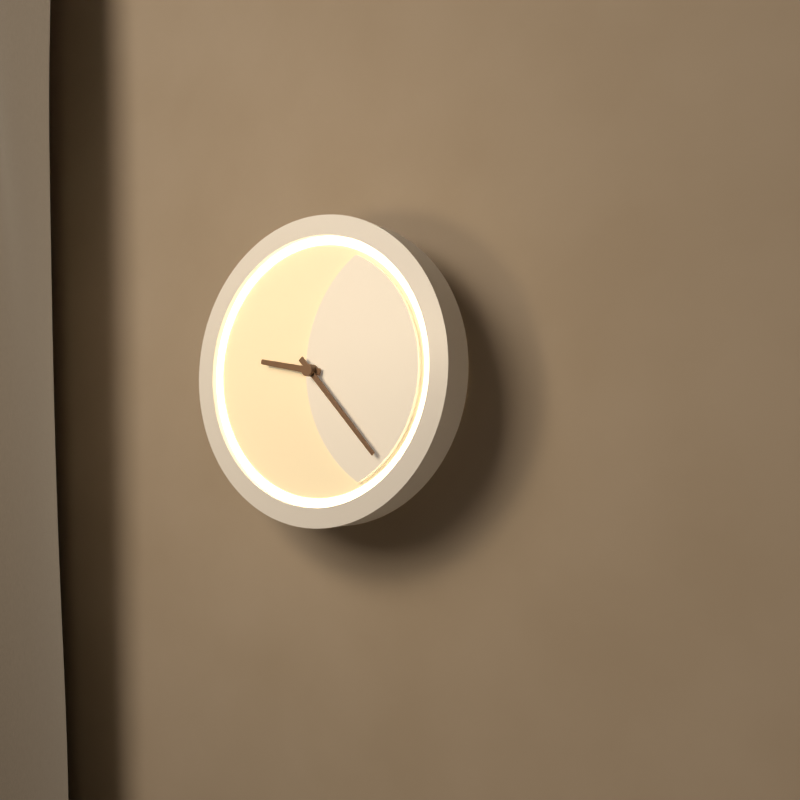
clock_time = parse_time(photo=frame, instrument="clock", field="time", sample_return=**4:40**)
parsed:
**9:23**
